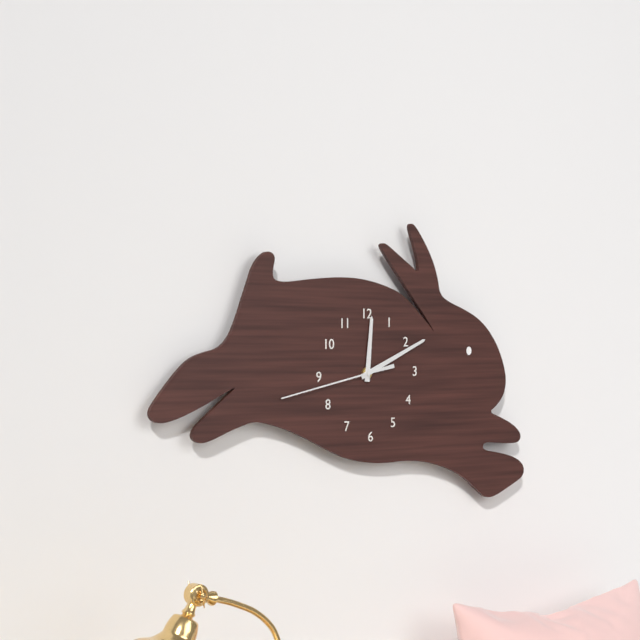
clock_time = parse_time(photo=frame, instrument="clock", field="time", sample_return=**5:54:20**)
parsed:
**12:11:43**
